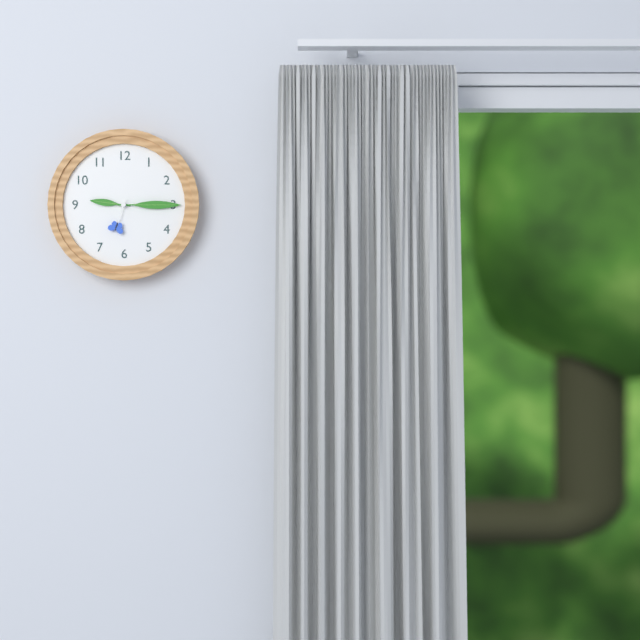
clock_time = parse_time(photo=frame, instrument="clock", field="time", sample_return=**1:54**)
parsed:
**9:15**
